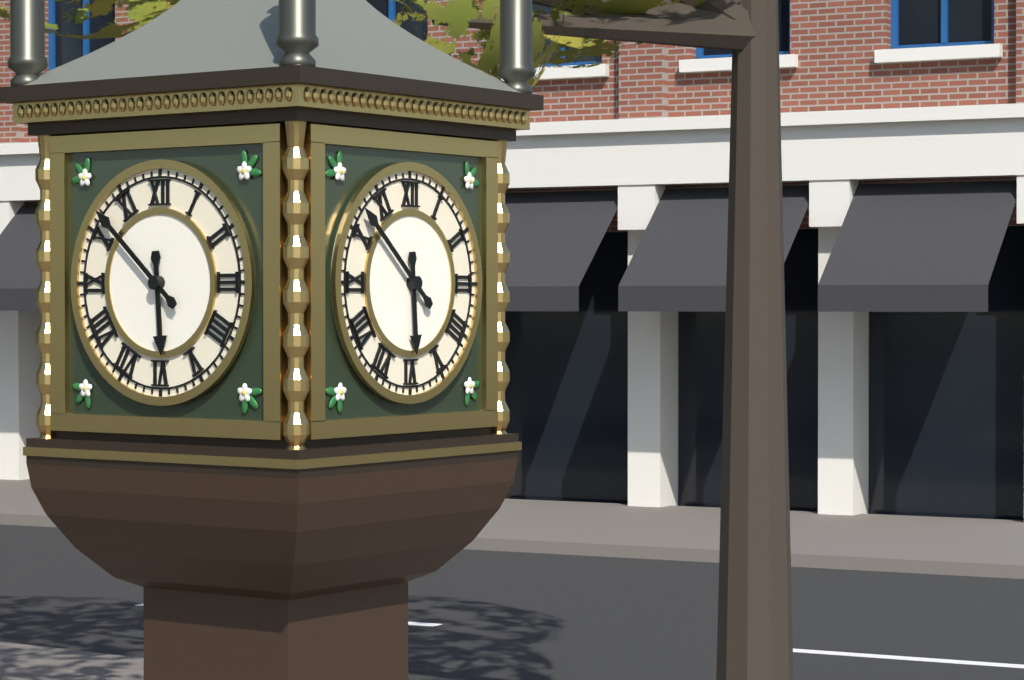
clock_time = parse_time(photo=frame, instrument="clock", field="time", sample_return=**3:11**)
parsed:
**5:52**
